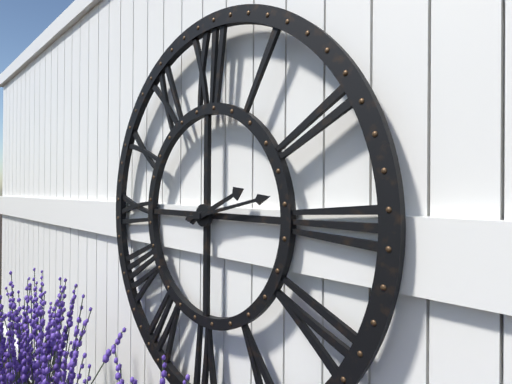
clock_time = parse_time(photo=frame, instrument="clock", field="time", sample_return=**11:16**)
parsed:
**2:13**
